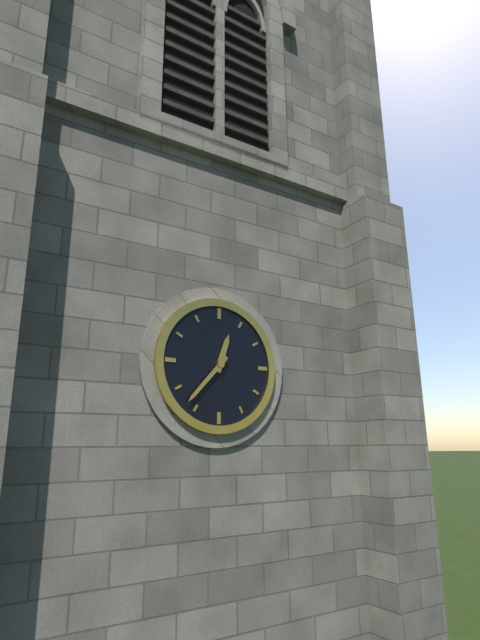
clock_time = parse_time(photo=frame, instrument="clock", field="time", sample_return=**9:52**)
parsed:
**12:37**
